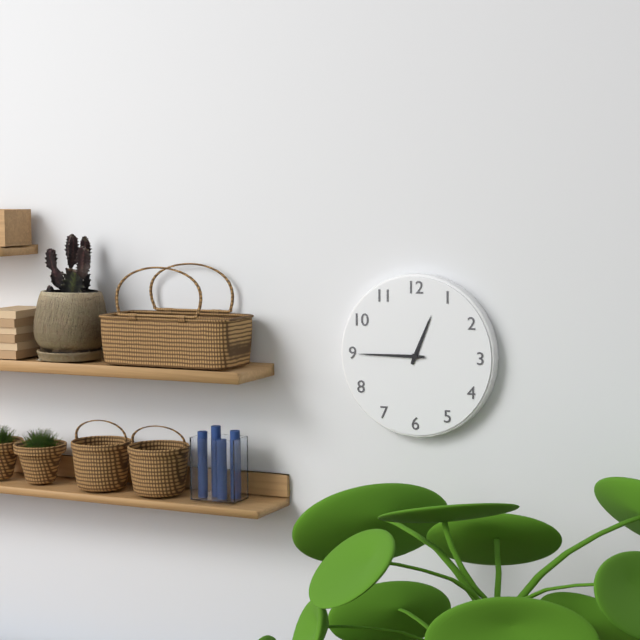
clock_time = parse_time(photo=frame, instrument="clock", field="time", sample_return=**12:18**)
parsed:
**12:45**
